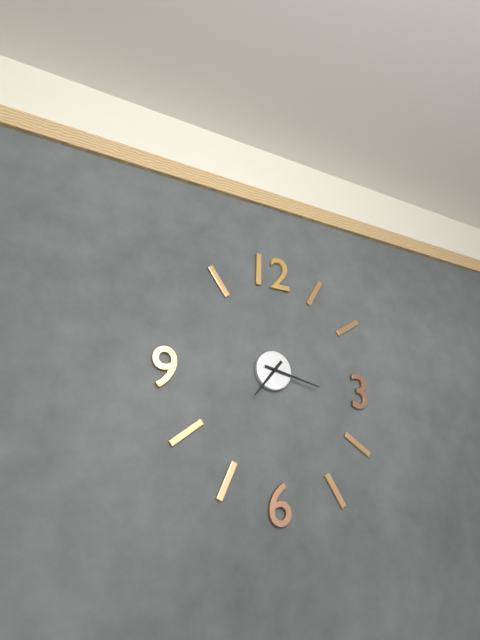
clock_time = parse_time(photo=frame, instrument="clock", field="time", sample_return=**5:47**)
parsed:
**7:17**
